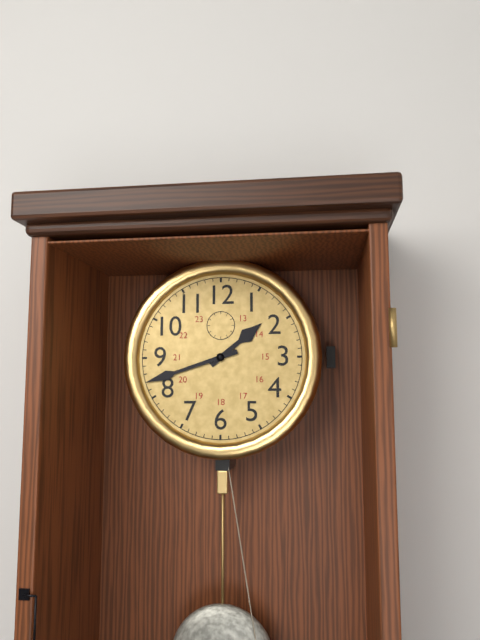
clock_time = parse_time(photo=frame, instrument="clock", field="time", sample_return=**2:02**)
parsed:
**1:42**
